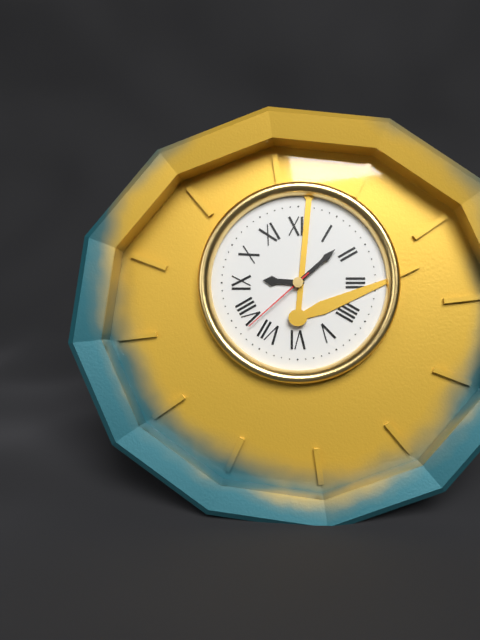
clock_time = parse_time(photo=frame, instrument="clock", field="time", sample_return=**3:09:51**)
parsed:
**9:08:38**
